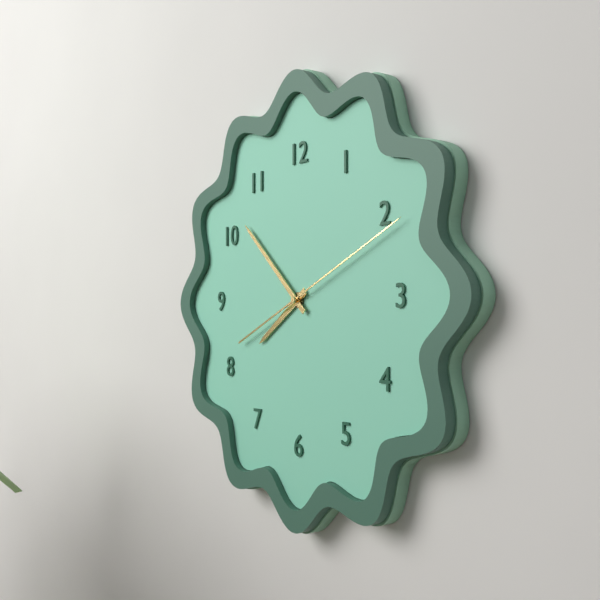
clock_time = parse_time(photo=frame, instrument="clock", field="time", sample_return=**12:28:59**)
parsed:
**7:52:11**
